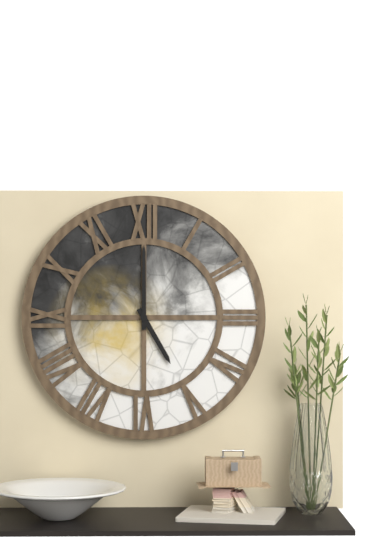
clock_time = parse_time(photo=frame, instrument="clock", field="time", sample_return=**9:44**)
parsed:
**5:00**
